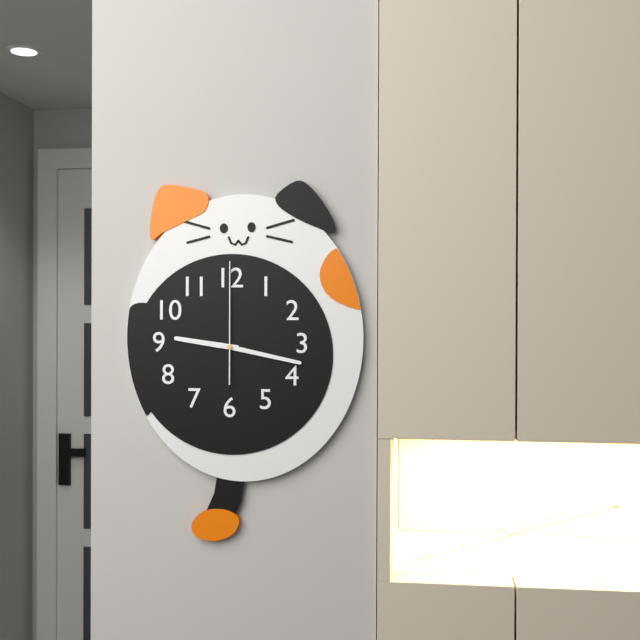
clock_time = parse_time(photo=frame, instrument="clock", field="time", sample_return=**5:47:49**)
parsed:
**9:17:00**
